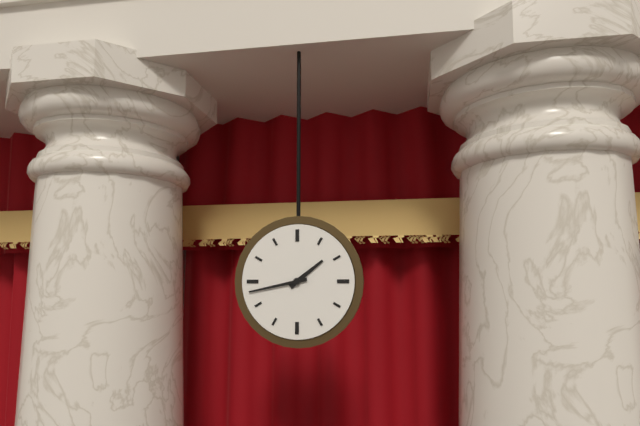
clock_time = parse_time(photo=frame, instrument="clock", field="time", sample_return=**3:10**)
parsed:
**1:43**
